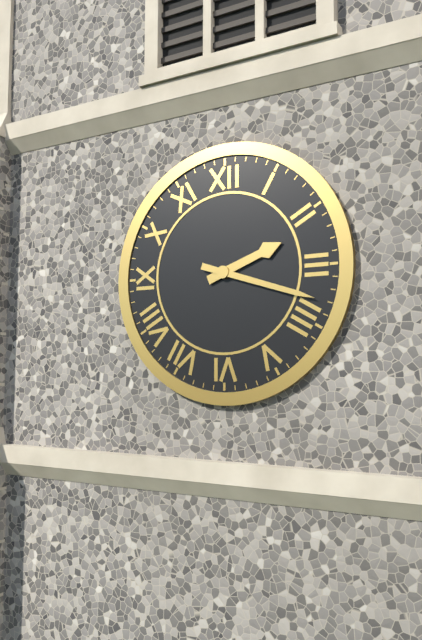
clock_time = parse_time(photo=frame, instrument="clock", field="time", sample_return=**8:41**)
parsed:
**2:18**
